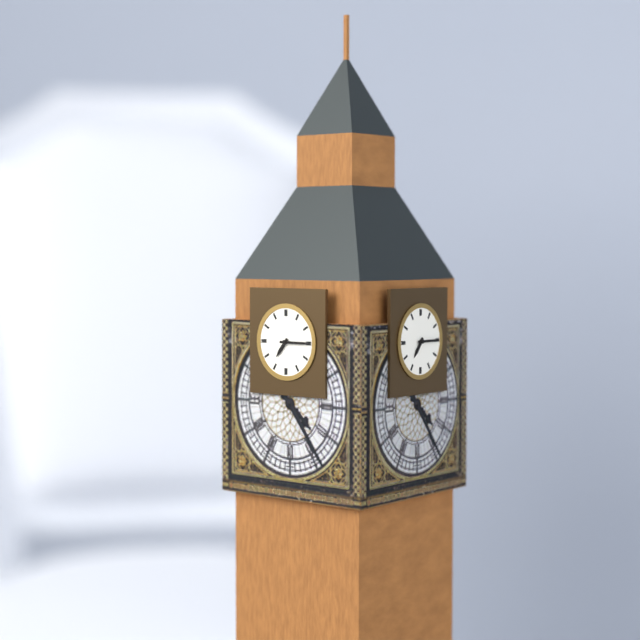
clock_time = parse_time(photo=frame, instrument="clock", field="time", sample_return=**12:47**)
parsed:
**7:15**
